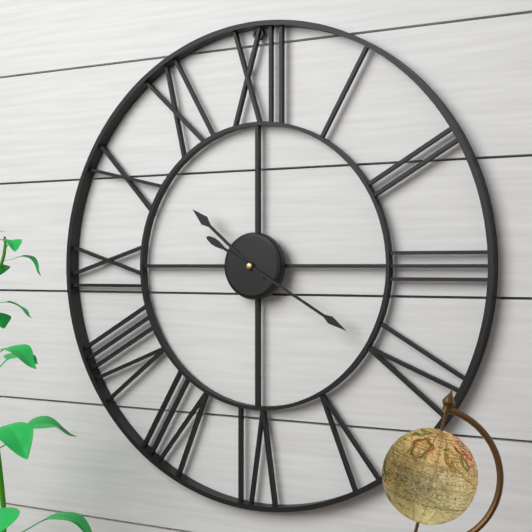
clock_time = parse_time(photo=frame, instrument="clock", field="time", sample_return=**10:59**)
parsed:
**10:20**
